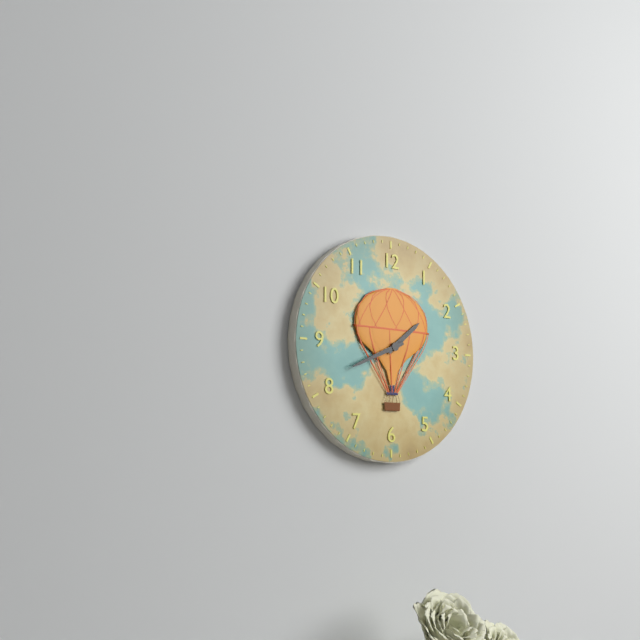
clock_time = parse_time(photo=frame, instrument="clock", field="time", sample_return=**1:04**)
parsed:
**1:41**
